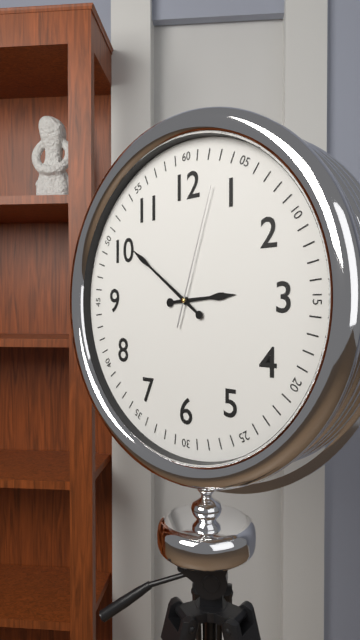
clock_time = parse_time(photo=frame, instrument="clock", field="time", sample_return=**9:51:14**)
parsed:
**2:51:03**
